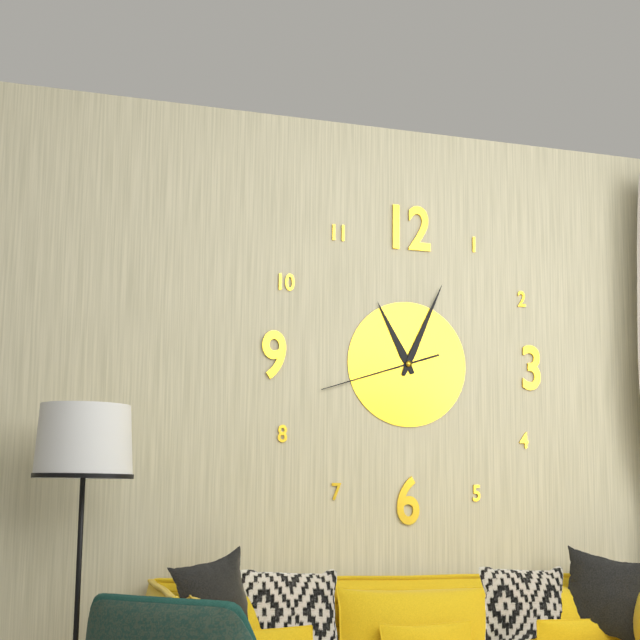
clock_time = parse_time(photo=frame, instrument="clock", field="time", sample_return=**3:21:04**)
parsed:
**11:04:42**
